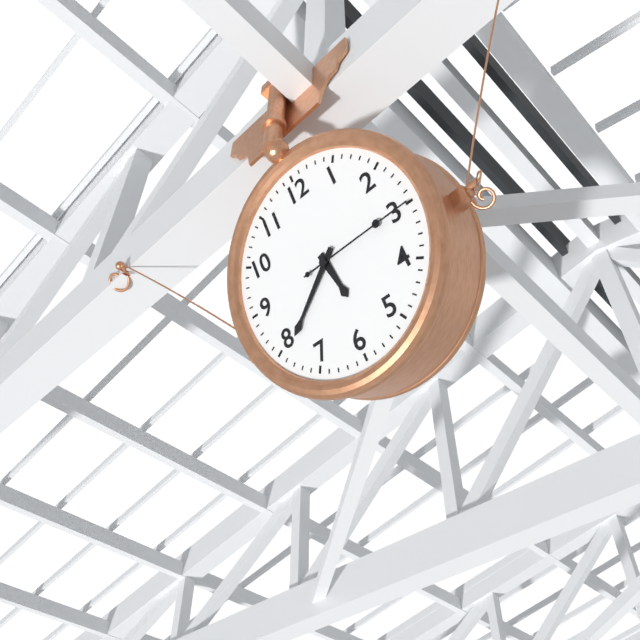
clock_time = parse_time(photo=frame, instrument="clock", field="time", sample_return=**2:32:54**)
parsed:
**5:39:15**
